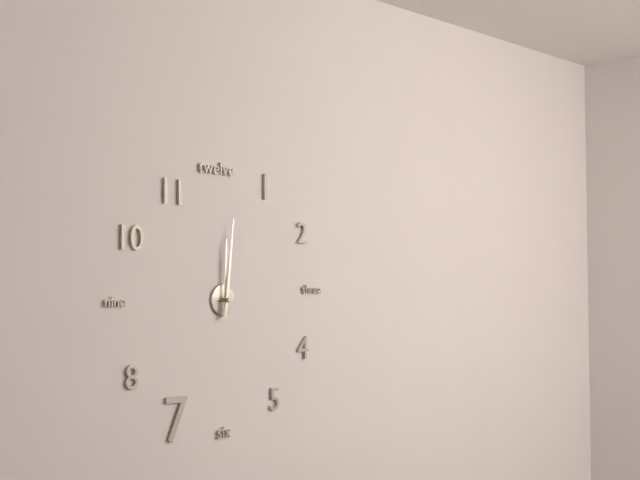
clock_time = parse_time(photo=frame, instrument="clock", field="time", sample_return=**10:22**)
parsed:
**12:01**
